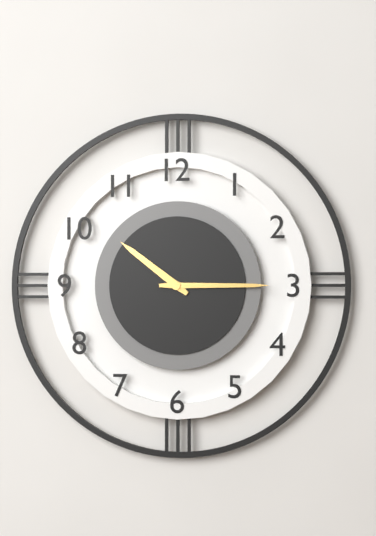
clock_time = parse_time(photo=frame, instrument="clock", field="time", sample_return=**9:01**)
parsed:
**10:15**
